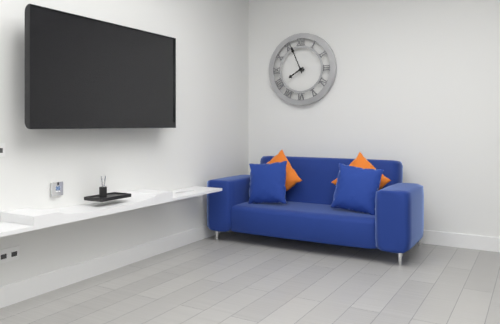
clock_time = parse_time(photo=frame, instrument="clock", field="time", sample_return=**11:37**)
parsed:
**7:56**
